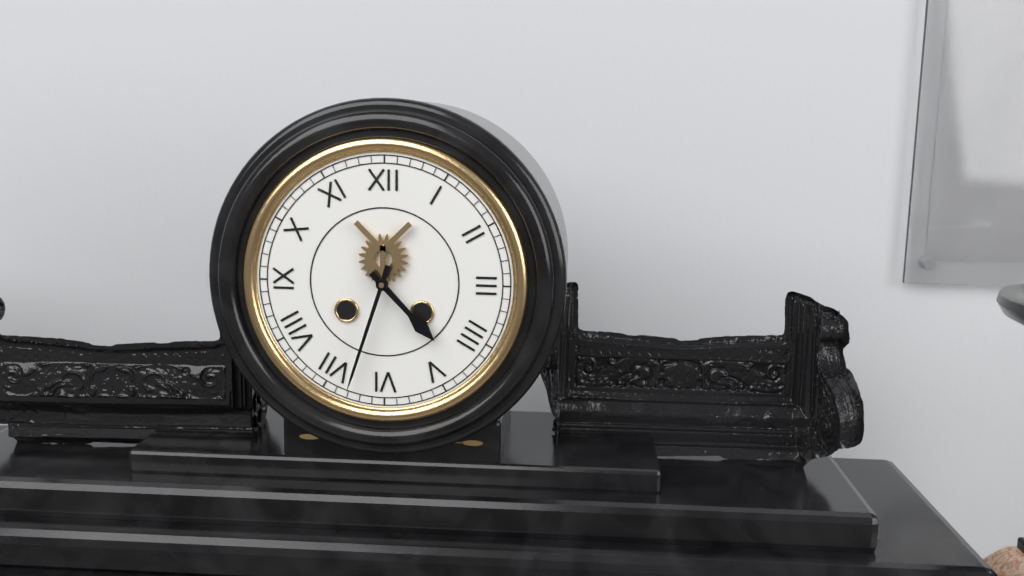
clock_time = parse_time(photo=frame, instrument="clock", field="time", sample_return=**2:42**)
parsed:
**4:33**
